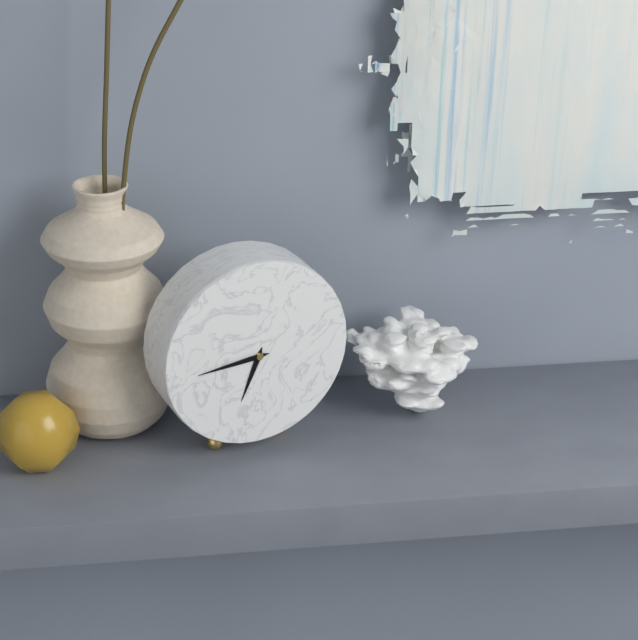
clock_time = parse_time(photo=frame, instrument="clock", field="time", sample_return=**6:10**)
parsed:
**6:44**
